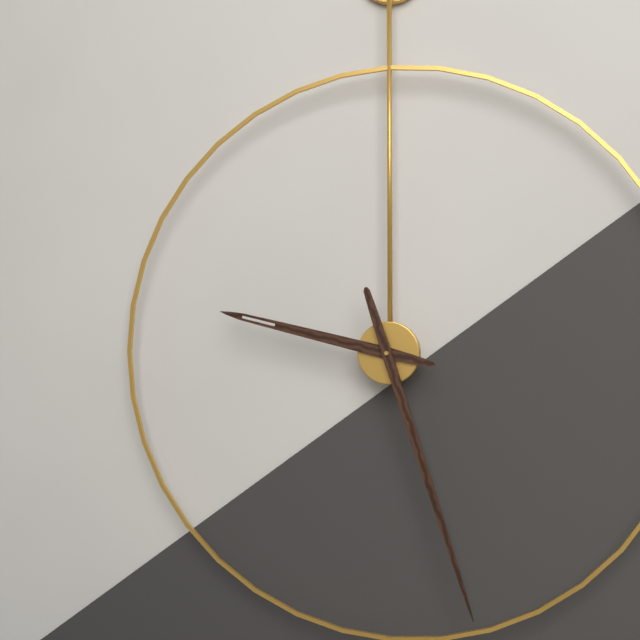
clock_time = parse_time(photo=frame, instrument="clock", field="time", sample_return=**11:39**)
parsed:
**9:27**
